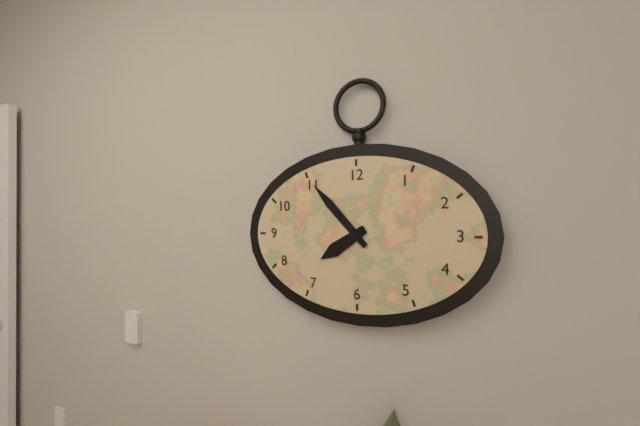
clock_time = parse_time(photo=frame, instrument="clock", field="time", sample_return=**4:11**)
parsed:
**7:53**
